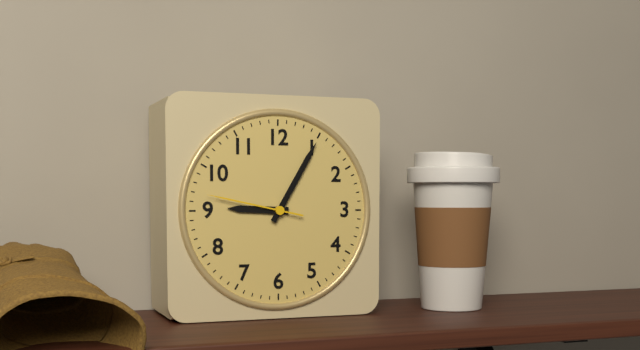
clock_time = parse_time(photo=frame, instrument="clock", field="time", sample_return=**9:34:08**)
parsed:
**9:05:47**
